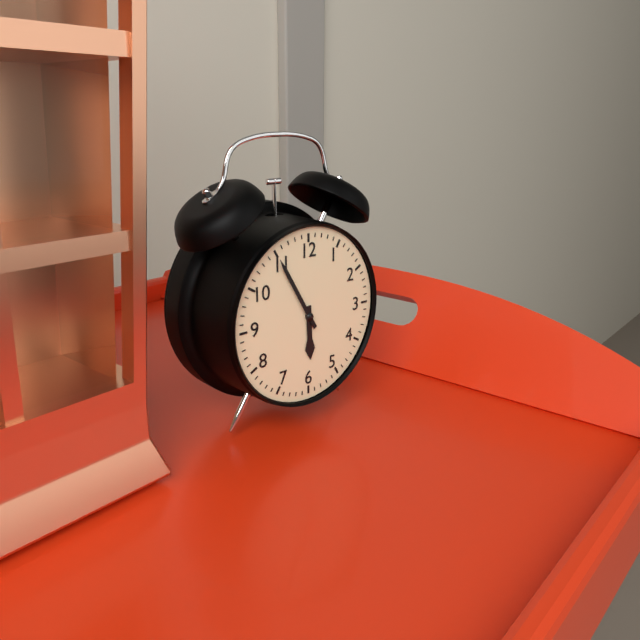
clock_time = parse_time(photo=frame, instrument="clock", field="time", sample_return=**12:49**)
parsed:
**5:55**
